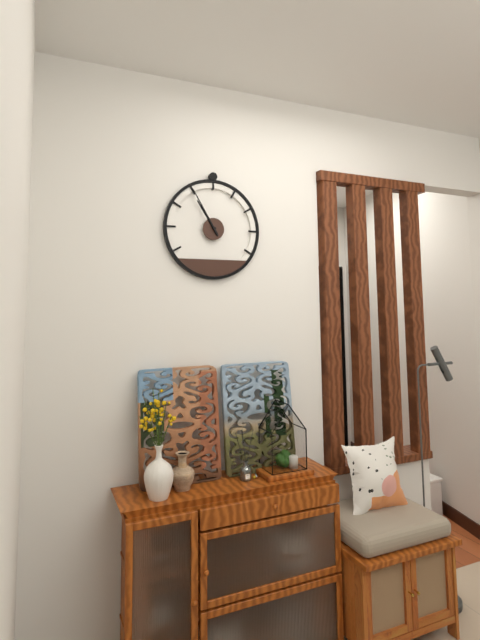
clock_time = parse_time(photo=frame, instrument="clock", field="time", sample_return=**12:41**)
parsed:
**10:55**
